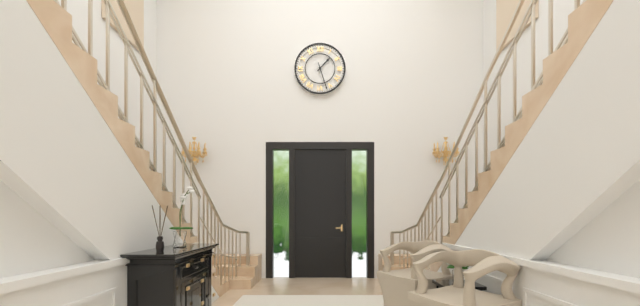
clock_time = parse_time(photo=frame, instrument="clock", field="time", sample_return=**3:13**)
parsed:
**1:27**
